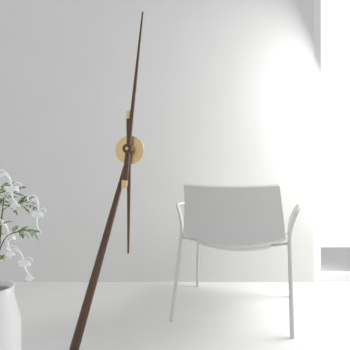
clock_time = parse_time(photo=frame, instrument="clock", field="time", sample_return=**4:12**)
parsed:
**6:01**
